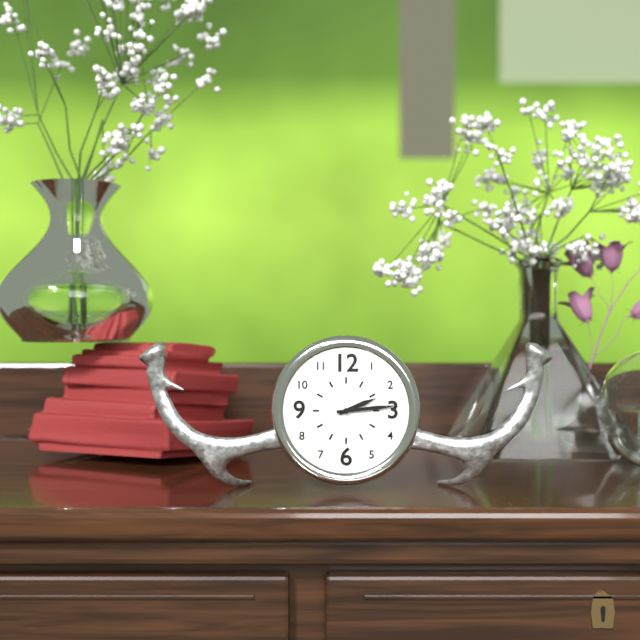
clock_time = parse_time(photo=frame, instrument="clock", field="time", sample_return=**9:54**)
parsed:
**2:14**
